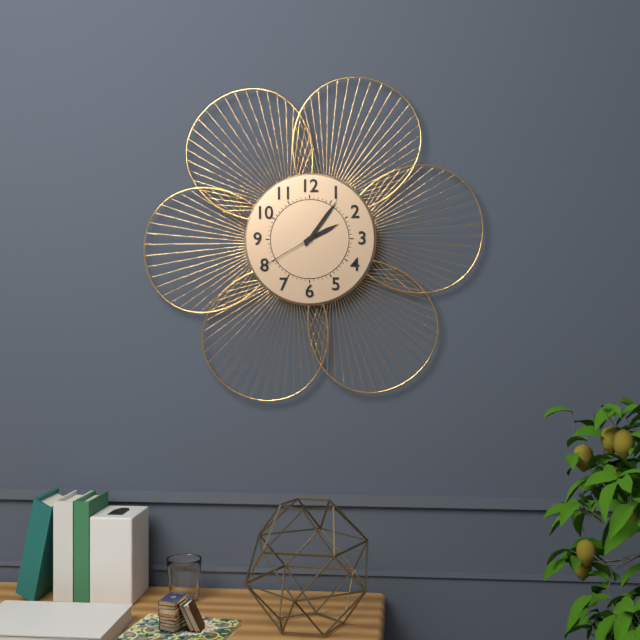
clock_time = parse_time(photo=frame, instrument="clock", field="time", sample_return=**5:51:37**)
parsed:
**2:06:40**
